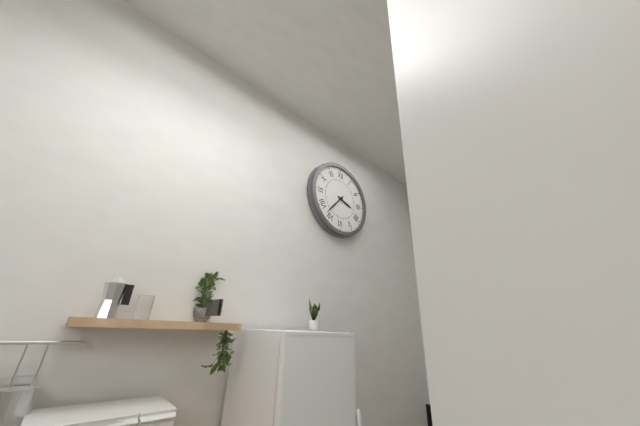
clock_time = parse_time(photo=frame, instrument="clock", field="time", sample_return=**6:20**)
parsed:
**3:37**
